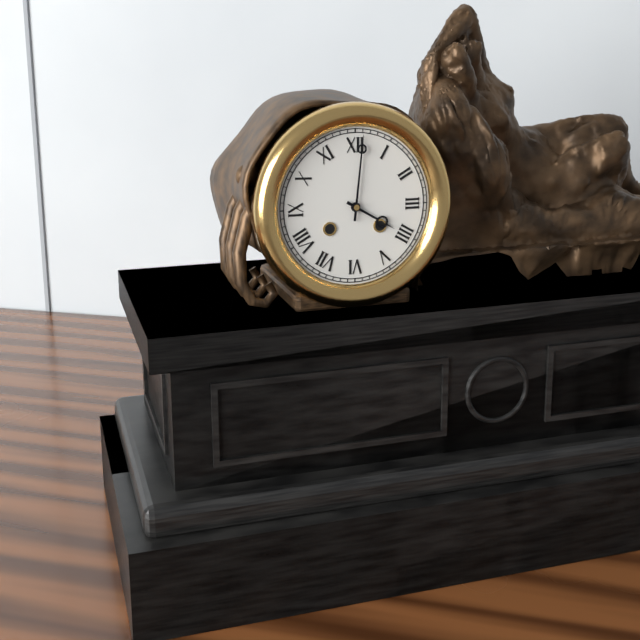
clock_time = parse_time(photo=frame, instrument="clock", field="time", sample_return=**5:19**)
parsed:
**4:01**
